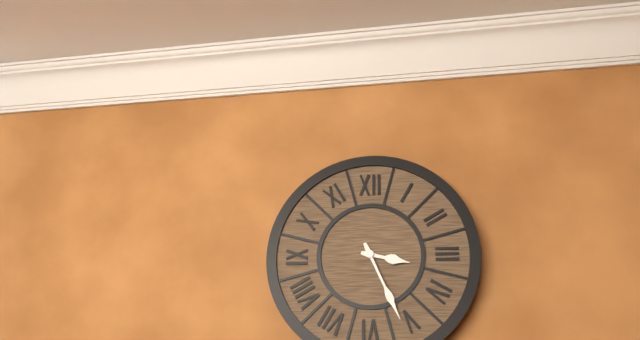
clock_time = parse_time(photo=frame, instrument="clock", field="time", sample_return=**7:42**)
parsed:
**3:26**
